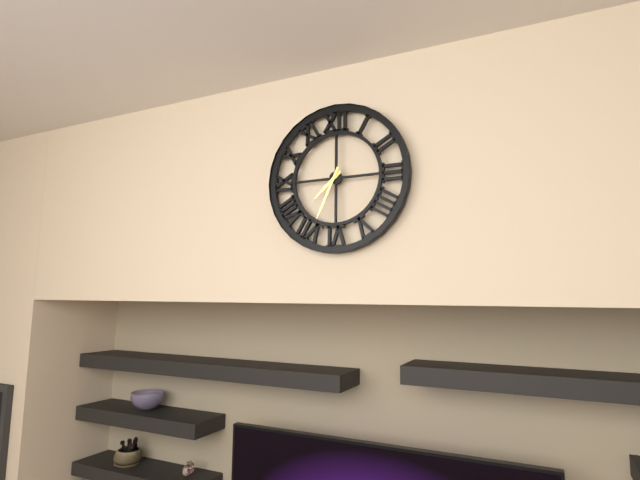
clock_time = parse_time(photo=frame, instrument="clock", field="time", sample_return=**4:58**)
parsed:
**7:34**
